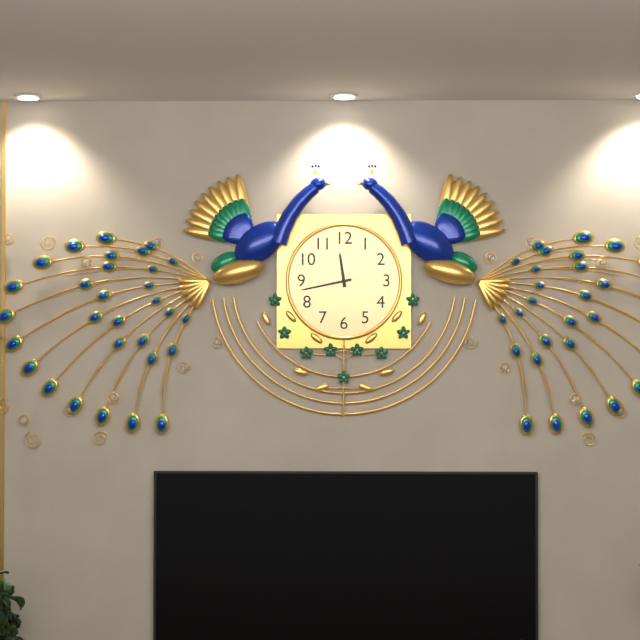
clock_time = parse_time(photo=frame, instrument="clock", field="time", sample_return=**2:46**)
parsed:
**11:43**
